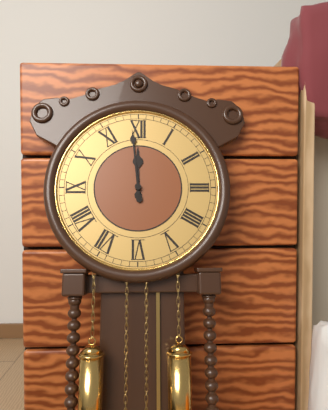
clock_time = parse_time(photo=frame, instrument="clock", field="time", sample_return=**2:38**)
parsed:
**11:59**
